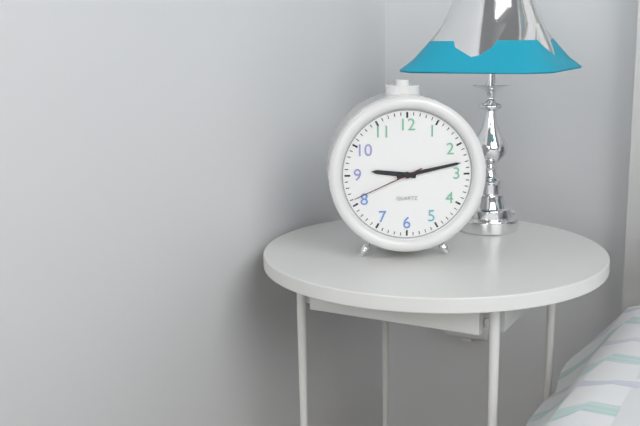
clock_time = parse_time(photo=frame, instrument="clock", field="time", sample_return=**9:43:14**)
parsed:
**9:13:41**
